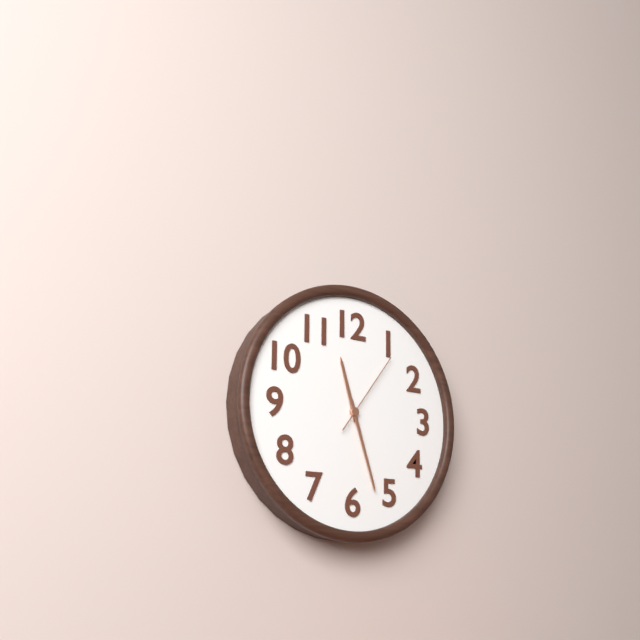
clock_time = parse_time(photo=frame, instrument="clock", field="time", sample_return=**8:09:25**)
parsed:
**11:27:06**
